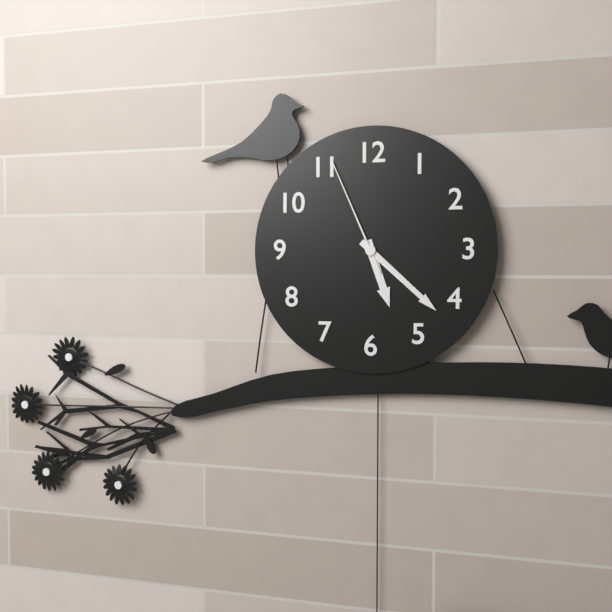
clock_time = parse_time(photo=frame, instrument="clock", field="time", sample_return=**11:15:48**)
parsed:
**5:22:56**
